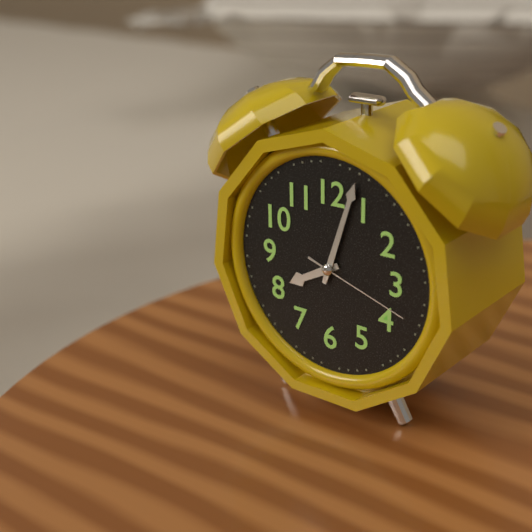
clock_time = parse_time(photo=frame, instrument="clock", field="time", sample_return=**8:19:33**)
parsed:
**8:03:18**
